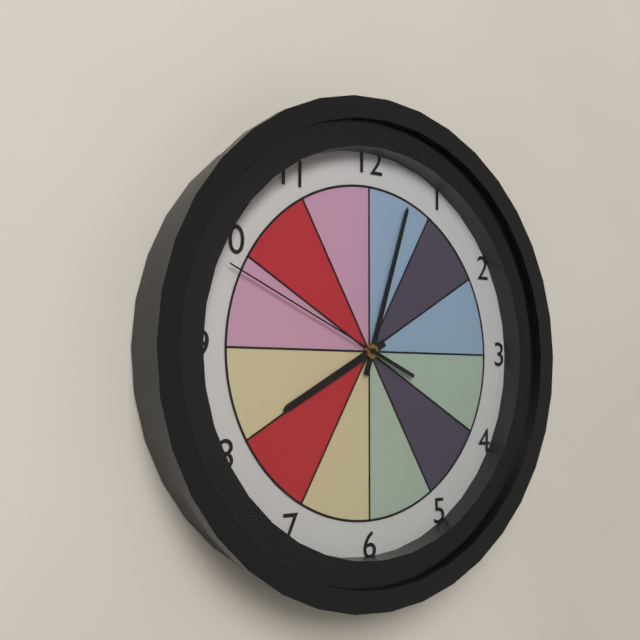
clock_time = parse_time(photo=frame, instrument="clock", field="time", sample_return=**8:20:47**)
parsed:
**8:03:49**
